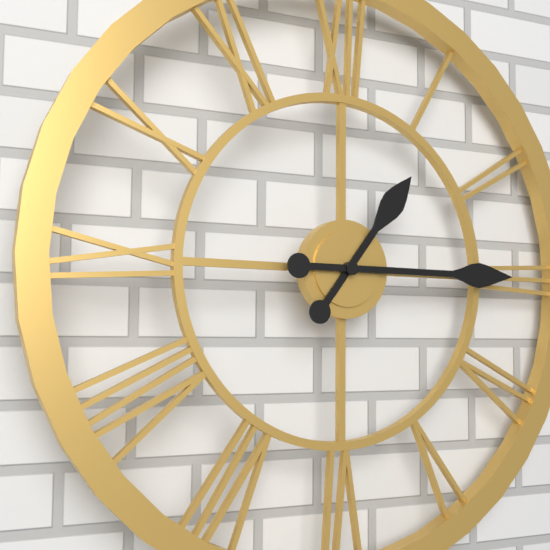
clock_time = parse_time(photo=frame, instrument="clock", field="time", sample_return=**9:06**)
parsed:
**1:15**
